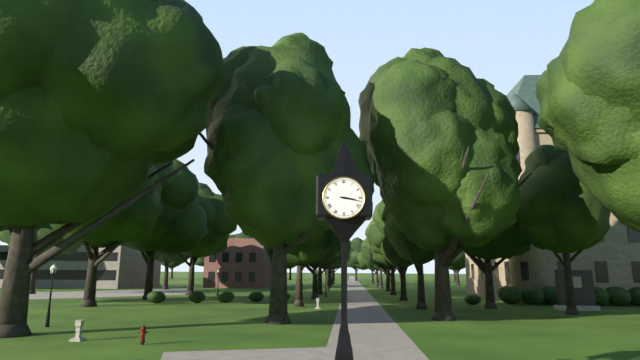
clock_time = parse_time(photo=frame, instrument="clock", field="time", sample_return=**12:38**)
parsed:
**3:17**
